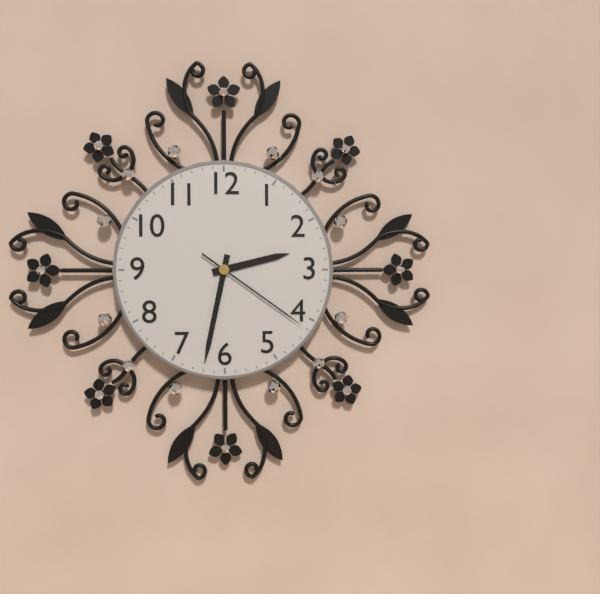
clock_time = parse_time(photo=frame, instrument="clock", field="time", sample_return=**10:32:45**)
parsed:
**2:32:21**
